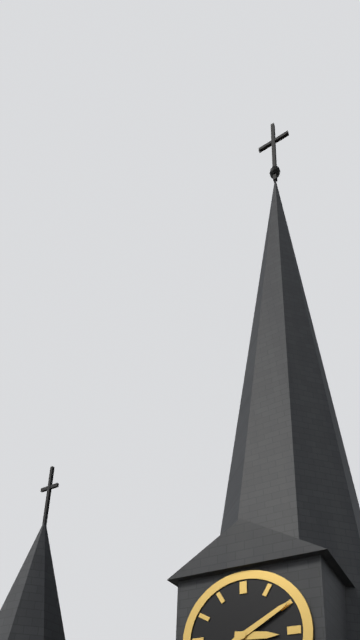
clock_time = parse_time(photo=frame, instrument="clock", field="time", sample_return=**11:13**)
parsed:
**3:10**
